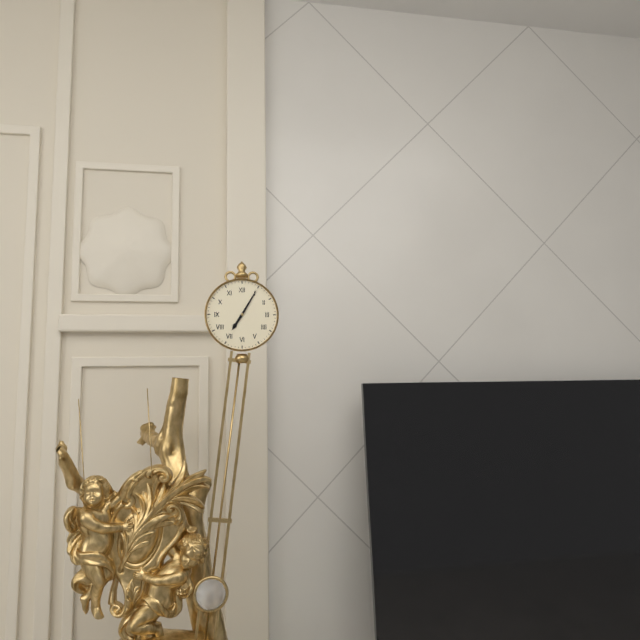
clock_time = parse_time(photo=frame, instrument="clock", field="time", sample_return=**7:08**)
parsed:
**7:05**
